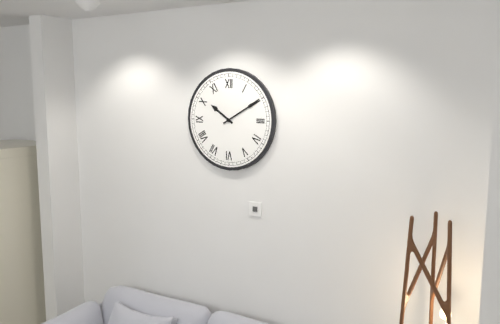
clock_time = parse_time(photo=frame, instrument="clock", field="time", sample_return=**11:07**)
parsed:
**10:10**
